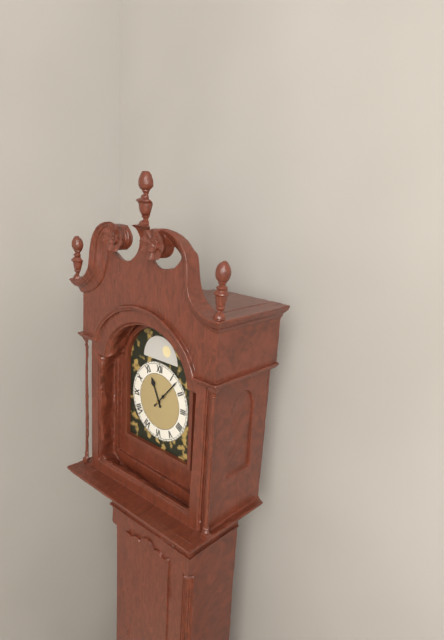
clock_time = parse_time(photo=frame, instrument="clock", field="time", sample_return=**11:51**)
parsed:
**11:07**
